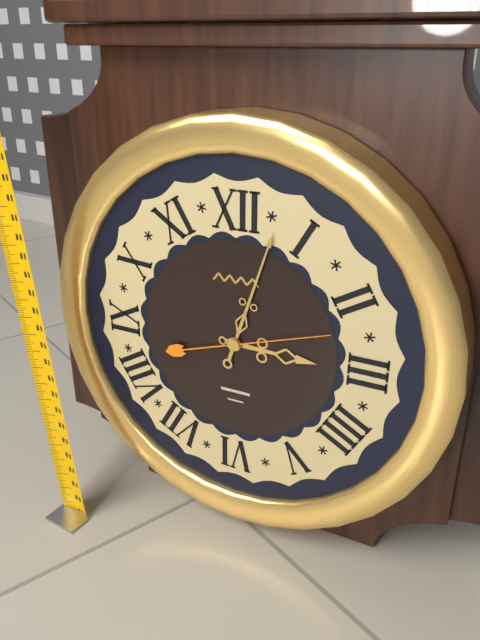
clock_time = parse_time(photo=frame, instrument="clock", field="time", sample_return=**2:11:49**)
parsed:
**3:03:12**
